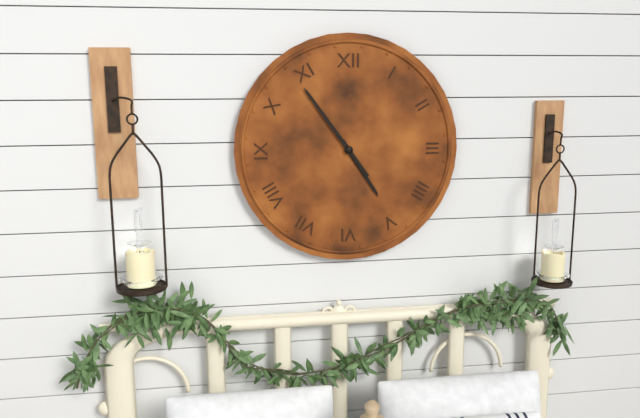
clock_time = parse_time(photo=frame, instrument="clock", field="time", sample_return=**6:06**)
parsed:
**4:54**
